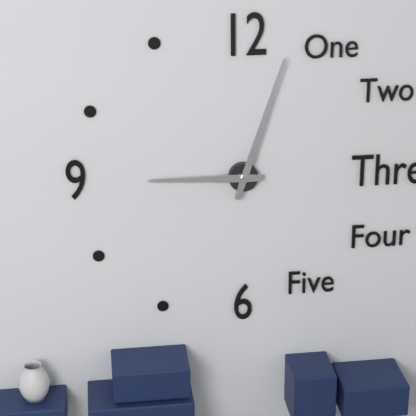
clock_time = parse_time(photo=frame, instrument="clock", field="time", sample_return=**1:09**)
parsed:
**9:03**
